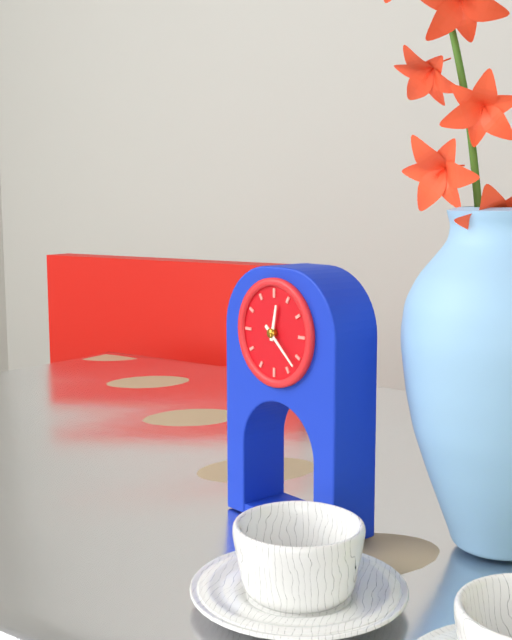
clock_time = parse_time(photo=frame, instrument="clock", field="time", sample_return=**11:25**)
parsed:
**12:22**
